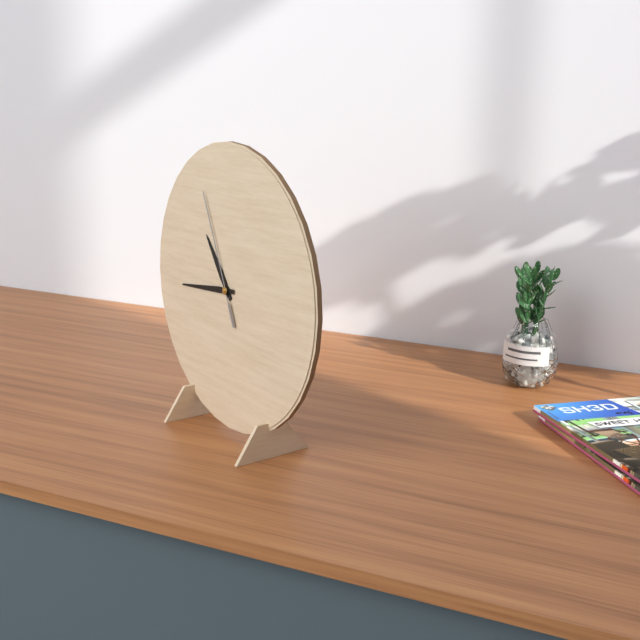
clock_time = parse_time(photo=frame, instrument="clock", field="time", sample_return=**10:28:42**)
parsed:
**10:44:56**
